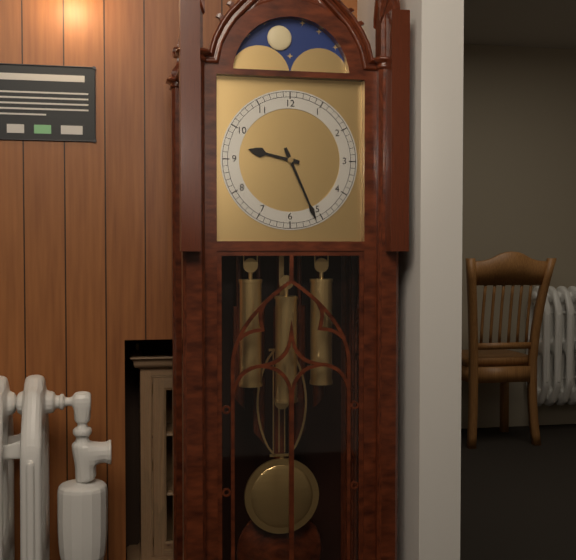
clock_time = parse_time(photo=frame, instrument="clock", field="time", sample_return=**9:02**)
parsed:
**9:26**
